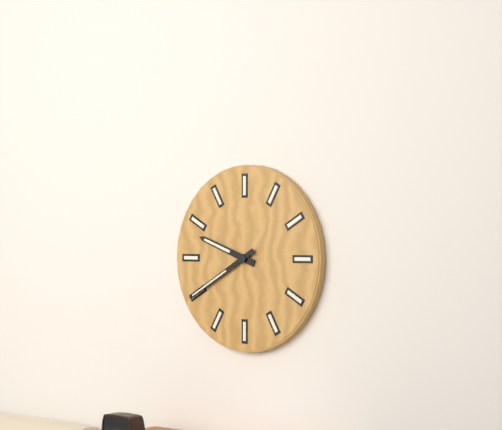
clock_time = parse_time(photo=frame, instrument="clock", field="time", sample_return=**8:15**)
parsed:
**9:40**
